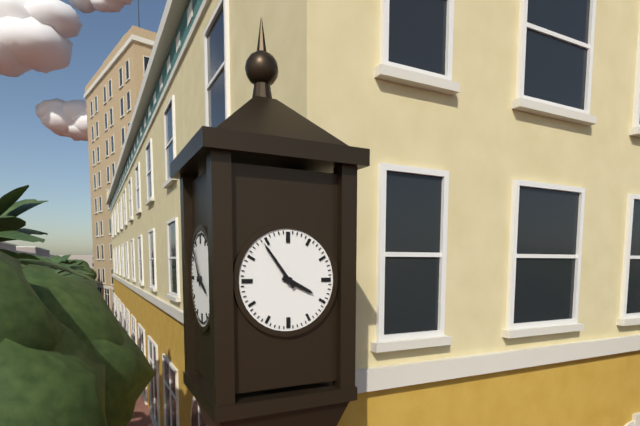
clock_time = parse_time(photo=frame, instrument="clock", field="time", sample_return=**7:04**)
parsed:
**3:54**
